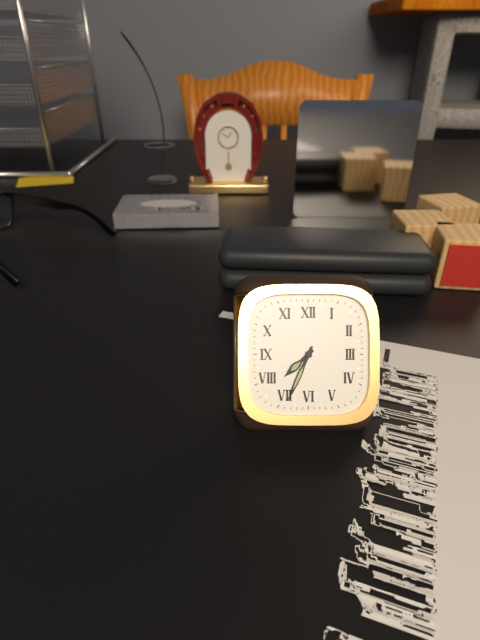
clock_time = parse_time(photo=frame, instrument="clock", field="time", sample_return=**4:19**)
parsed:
**7:34**
